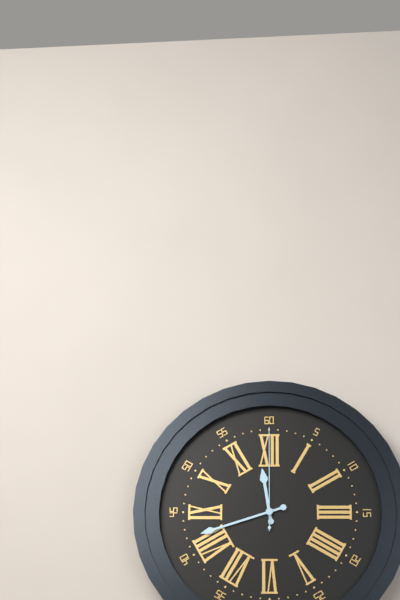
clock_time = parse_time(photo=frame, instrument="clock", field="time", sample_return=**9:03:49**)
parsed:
**11:42:00**
